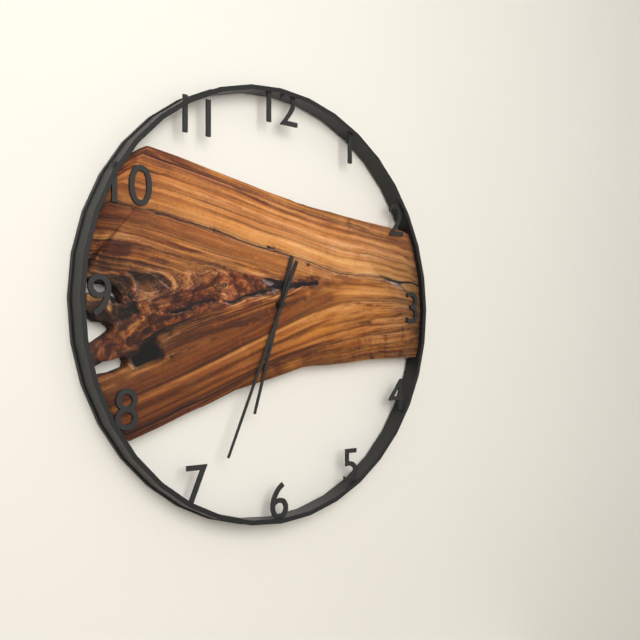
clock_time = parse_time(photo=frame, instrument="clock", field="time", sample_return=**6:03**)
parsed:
**6:34**
